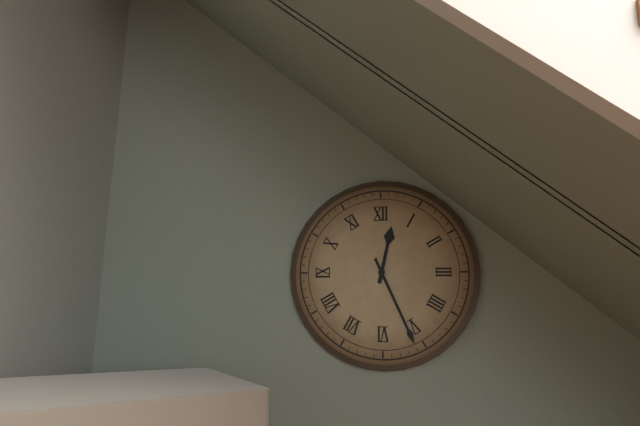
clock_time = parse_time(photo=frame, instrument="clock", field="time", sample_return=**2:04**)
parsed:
**12:26**
